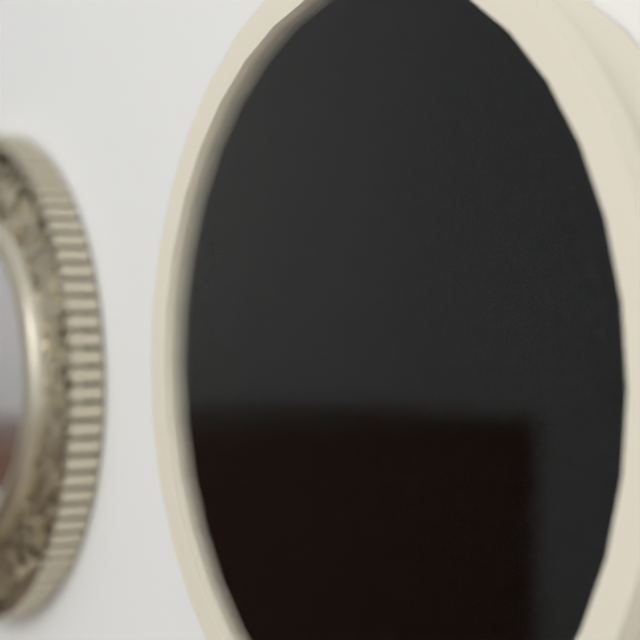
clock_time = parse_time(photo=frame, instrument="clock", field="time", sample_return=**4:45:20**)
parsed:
**12:14:40**
